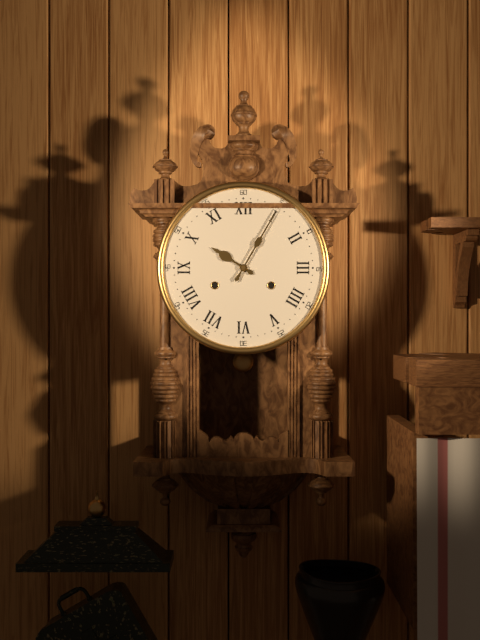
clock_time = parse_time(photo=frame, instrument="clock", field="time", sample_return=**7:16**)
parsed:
**10:05**
